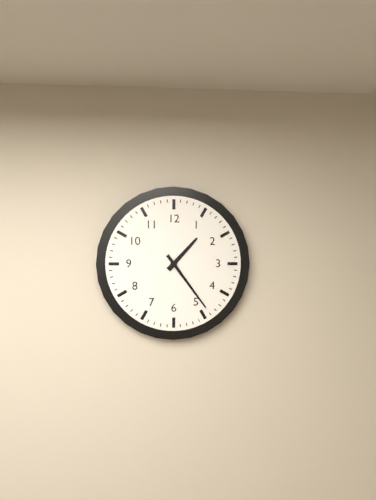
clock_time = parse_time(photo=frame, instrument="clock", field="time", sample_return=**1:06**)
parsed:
**1:24**
